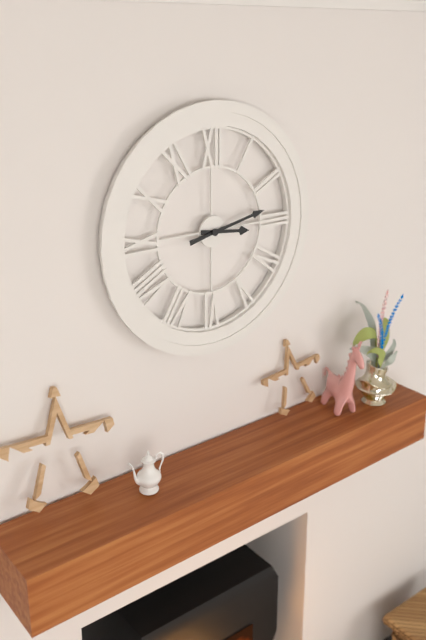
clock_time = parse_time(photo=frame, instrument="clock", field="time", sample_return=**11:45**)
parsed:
**3:13**
